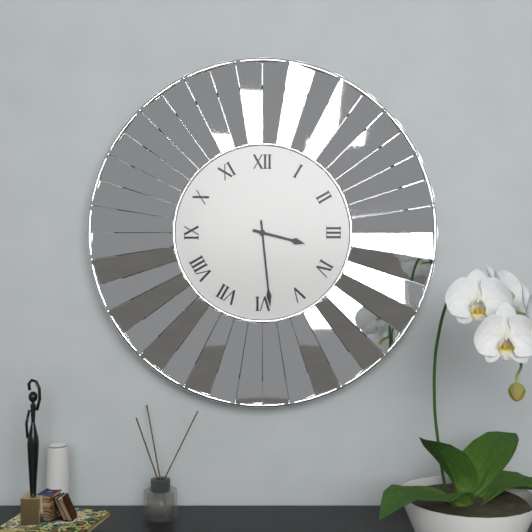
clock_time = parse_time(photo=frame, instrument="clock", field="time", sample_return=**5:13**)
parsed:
**3:29**
